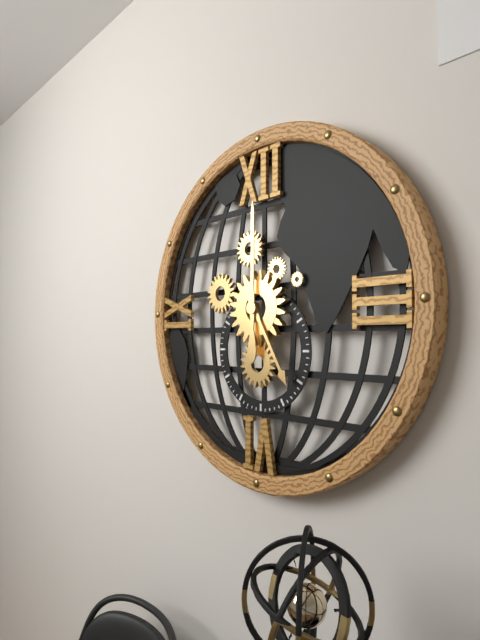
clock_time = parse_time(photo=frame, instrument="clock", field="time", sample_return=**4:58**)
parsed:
**5:00**
